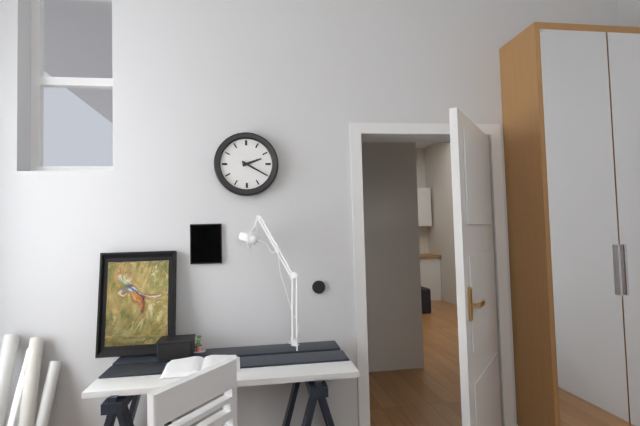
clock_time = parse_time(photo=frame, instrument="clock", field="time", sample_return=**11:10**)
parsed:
**2:20**
